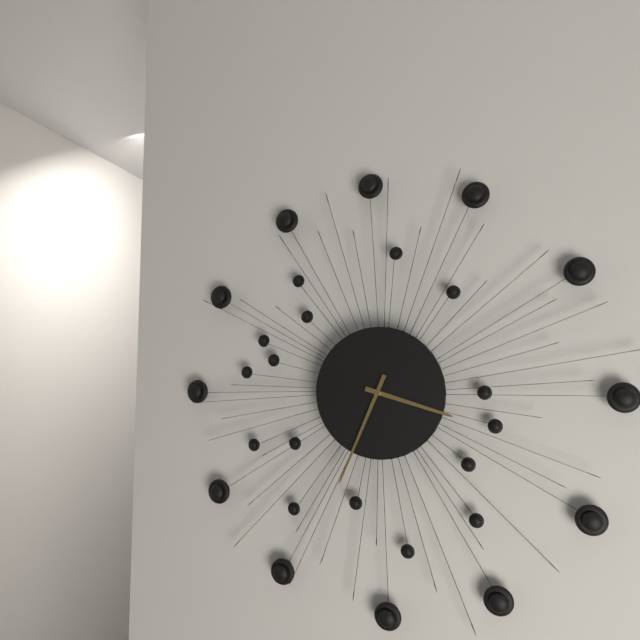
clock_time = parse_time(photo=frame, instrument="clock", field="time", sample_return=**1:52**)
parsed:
**3:34**
